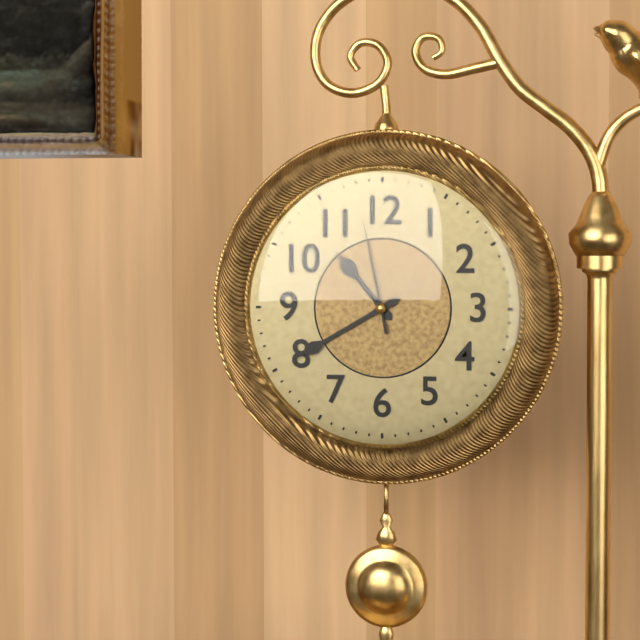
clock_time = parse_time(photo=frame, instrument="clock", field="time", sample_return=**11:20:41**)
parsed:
**10:40:58**
